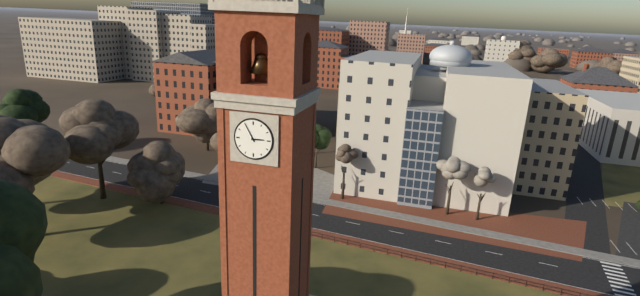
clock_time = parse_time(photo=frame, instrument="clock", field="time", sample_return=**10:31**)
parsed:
**2:55**
